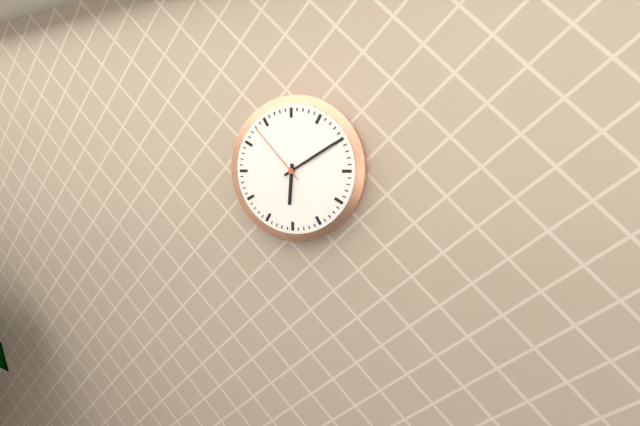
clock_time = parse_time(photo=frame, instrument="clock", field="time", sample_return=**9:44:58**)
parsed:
**6:10:53**
